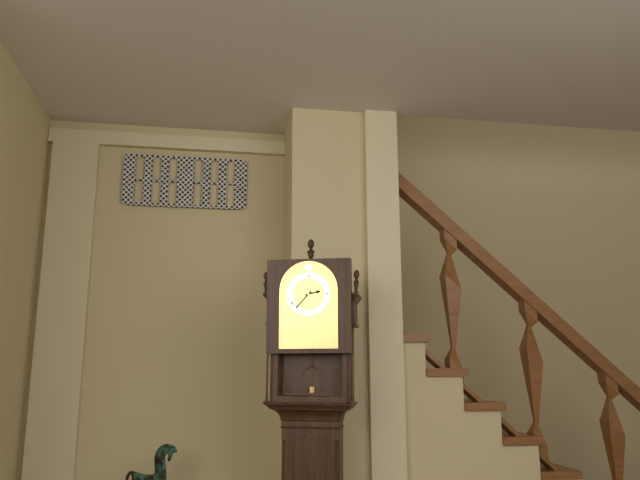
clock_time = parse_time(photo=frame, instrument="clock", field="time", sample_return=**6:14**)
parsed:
**2:37**
